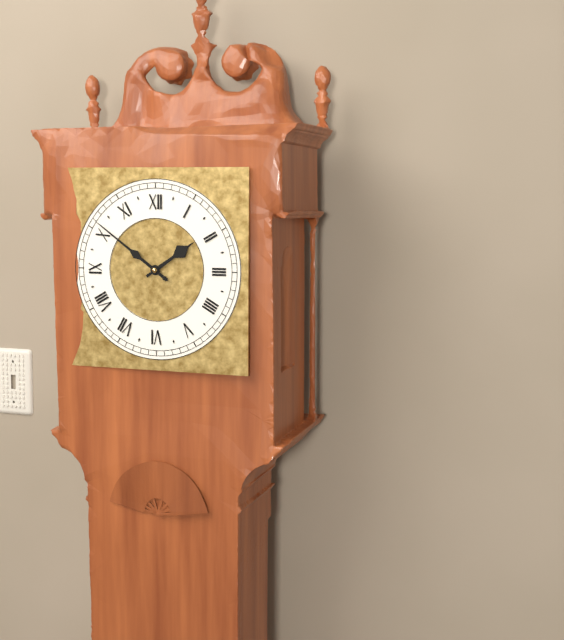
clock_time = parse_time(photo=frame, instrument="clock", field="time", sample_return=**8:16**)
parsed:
**1:51**
